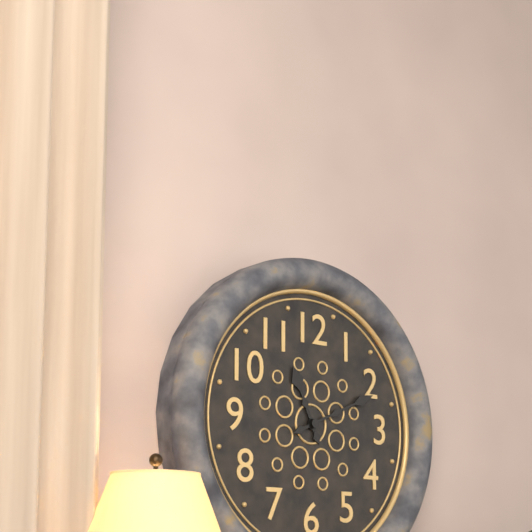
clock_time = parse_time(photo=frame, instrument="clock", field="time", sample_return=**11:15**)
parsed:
**11:11**
